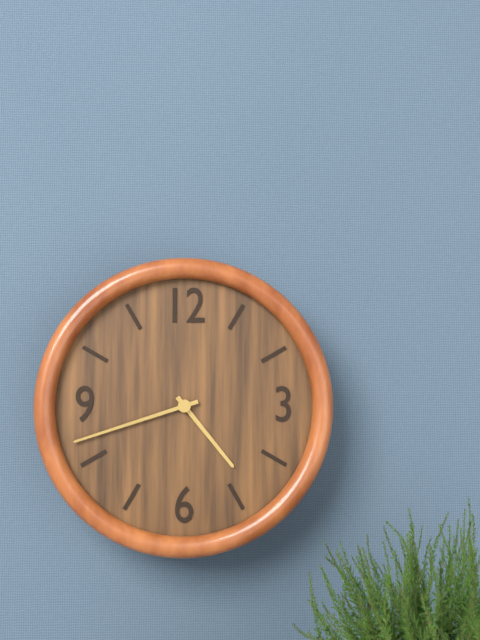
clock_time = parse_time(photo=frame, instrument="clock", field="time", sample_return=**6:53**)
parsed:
**4:42**
